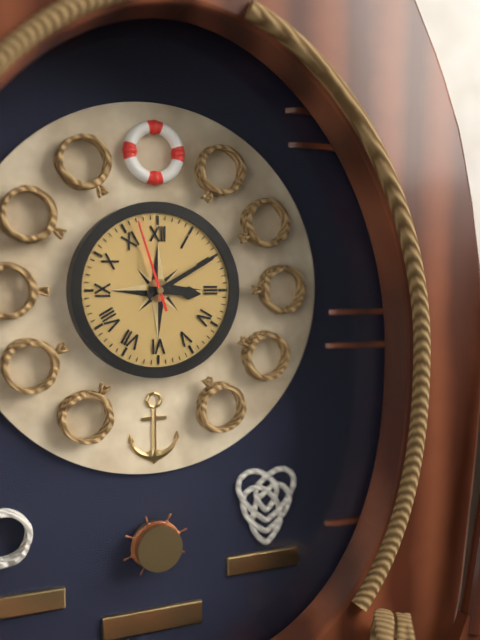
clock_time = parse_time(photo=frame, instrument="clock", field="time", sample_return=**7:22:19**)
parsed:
**3:10:57**
